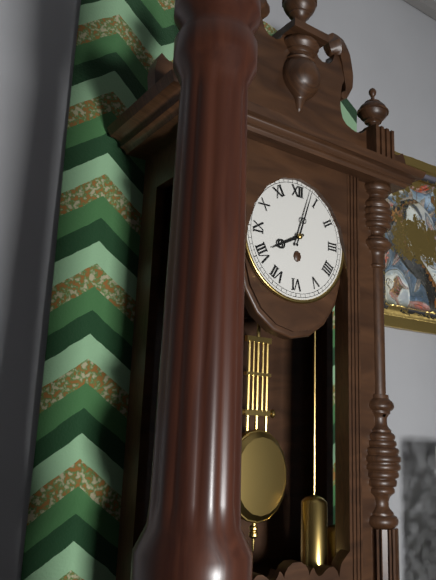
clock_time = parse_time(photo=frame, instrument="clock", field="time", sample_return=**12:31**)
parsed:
**8:03**
